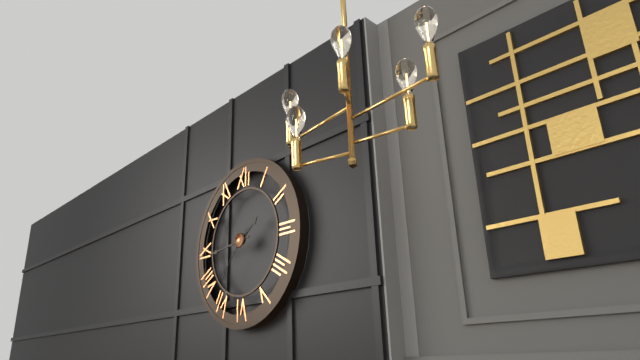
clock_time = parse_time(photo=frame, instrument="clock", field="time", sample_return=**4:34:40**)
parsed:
**1:44:37**
